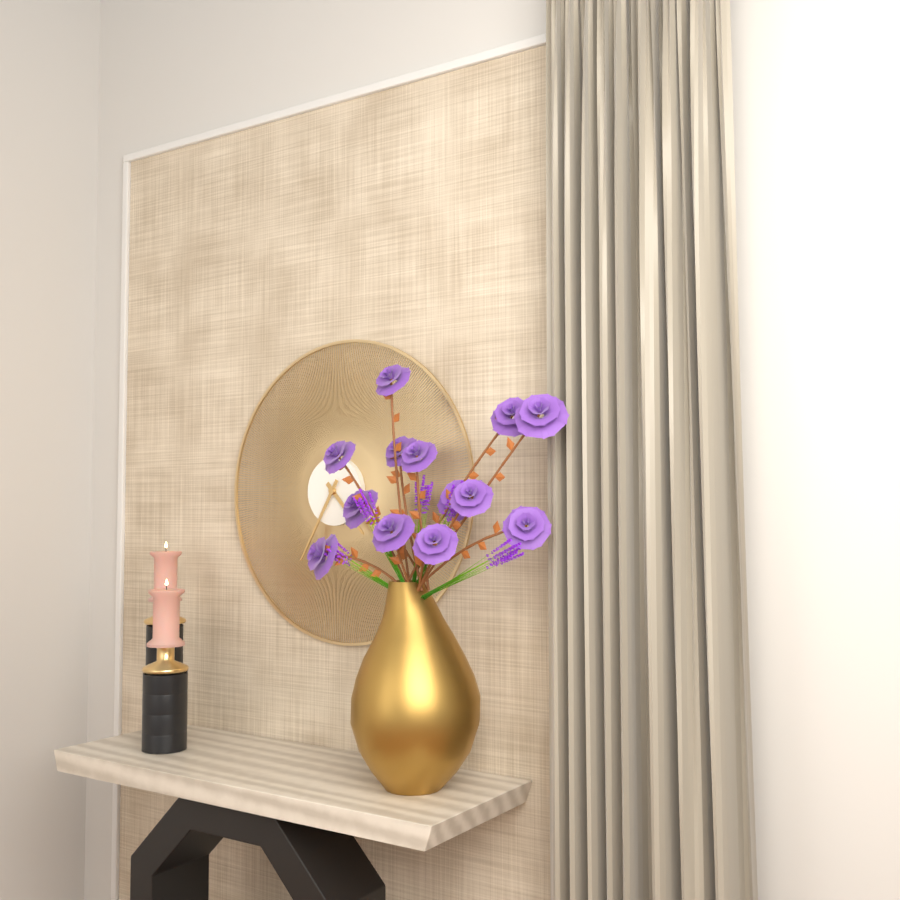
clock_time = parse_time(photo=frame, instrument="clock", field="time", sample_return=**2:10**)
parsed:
**4:35**
